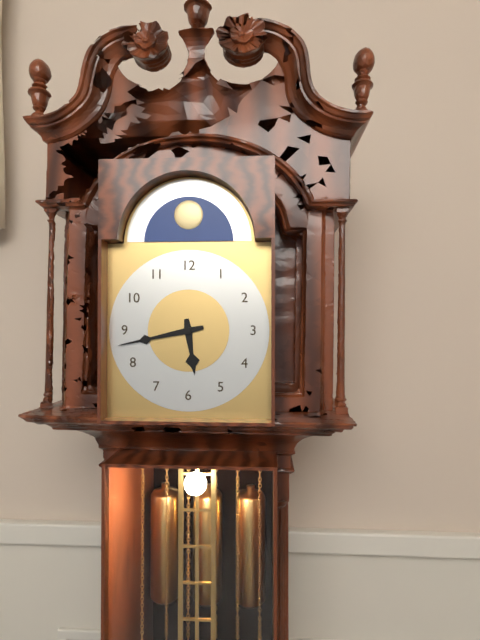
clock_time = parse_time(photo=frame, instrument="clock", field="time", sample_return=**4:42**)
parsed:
**5:43**
